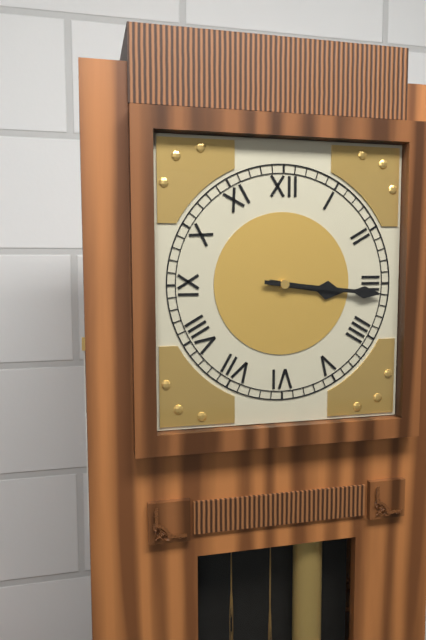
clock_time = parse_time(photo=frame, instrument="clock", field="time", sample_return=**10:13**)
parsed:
**3:16**
